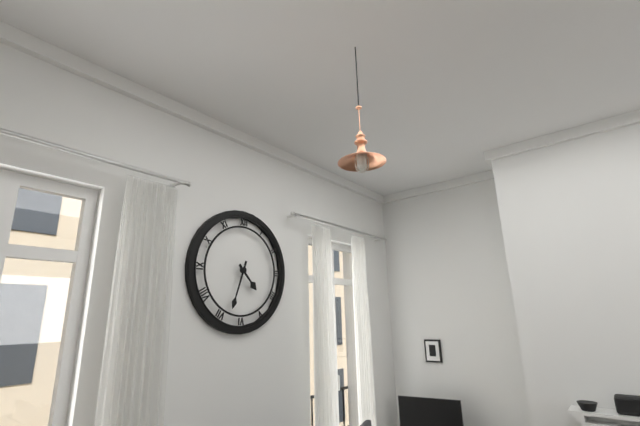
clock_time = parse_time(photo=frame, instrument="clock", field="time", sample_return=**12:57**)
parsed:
**4:33**
